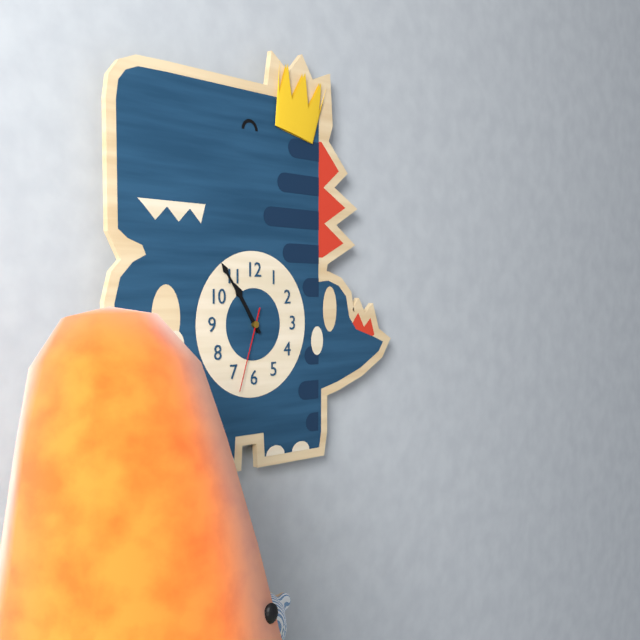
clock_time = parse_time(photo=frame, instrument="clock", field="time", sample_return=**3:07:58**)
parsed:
**10:54:33**
